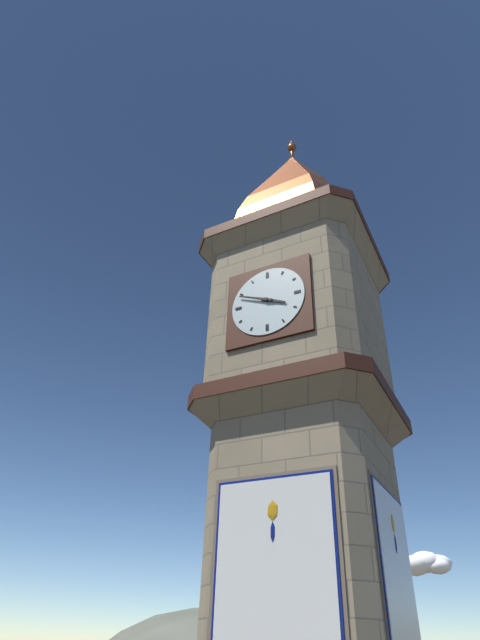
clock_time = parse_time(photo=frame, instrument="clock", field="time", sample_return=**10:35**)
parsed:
**3:49**
